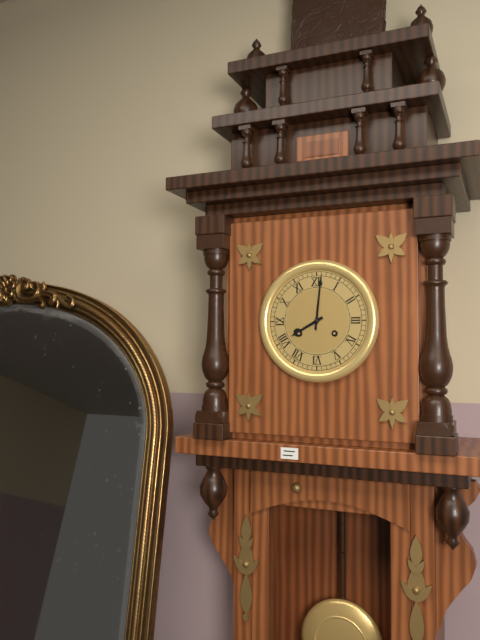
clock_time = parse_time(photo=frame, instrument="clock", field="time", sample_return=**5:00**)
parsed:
**8:01**
